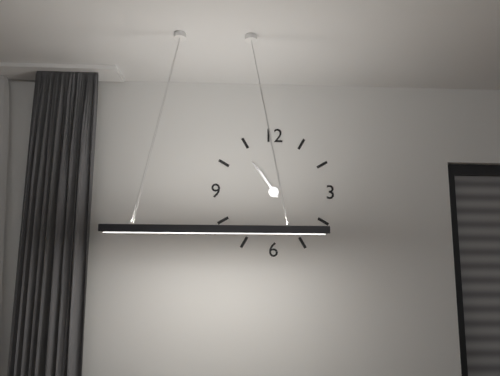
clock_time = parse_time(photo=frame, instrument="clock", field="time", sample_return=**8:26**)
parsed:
**10:54**
